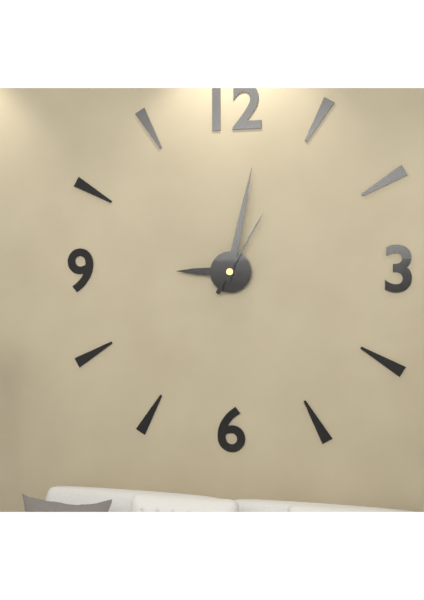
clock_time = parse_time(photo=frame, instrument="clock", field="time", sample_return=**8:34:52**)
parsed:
**9:02:05**
